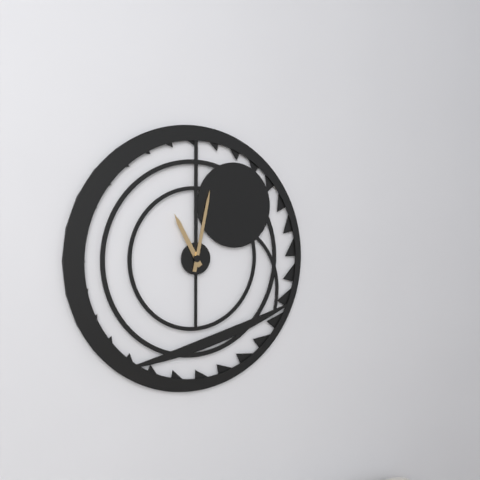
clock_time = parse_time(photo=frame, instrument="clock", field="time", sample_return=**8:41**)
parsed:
**11:02**
